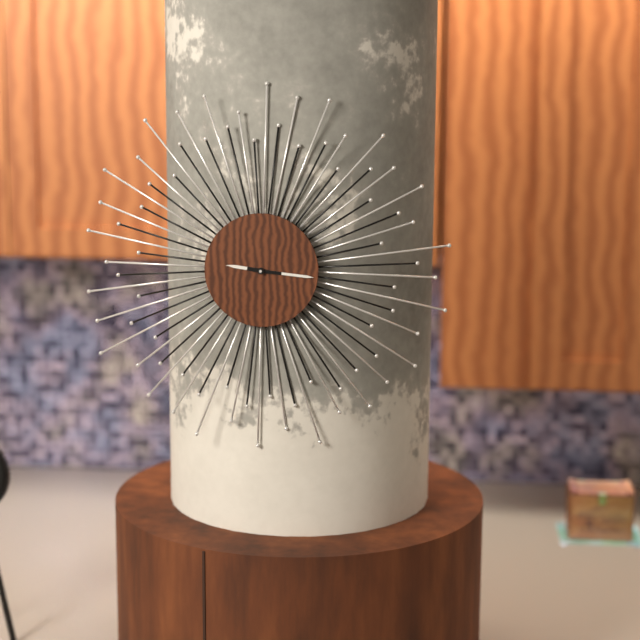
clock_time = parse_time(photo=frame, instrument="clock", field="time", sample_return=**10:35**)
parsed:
**9:16**
